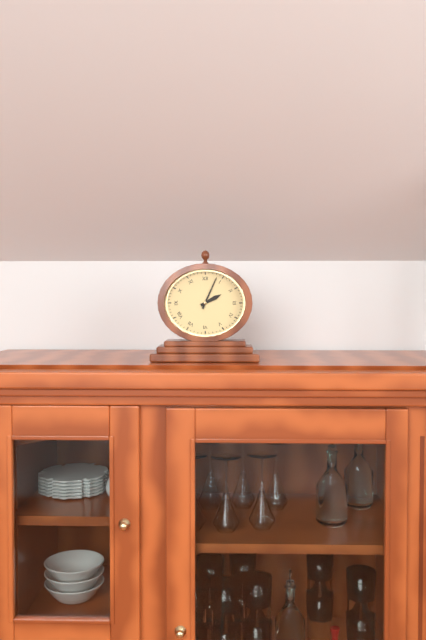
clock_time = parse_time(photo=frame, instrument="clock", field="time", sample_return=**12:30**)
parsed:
**2:04**
